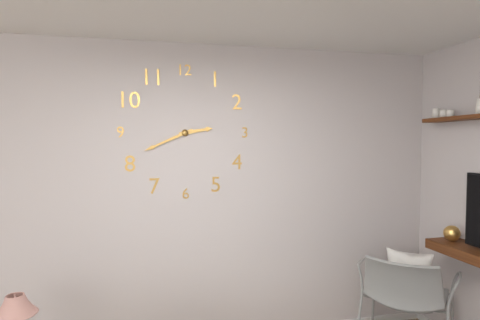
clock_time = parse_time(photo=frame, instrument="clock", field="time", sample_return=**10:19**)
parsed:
**2:41**
